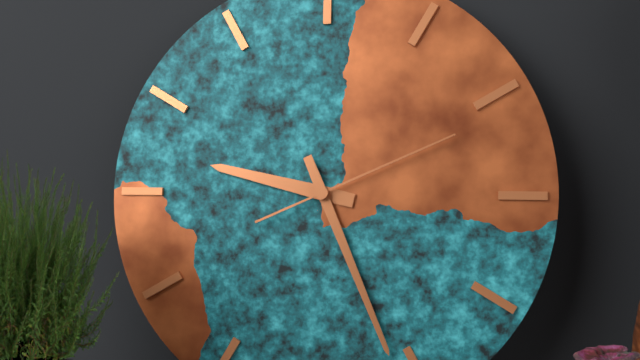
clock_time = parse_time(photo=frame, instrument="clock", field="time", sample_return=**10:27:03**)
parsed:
**9:26:11**
